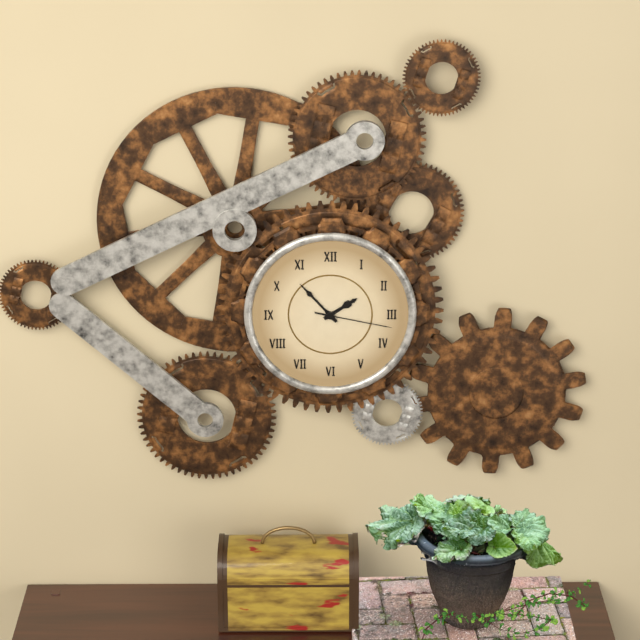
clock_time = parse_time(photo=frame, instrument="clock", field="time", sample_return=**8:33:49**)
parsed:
**1:53:17**
